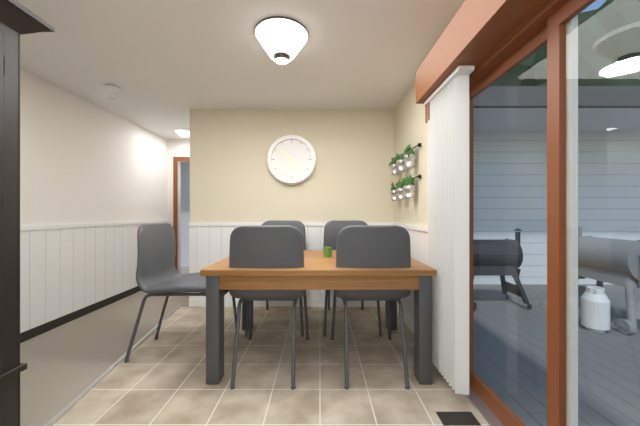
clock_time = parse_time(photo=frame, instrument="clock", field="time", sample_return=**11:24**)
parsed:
**10:25**
